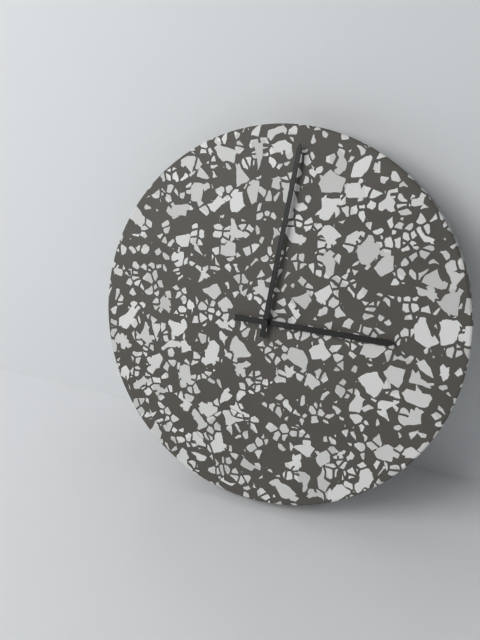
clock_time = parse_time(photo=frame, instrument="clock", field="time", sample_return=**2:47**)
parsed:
**3:01**
